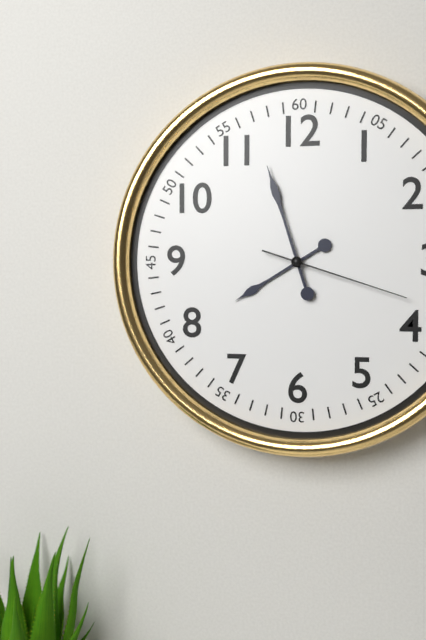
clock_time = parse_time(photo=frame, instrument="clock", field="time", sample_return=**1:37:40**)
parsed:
**7:57:18**
